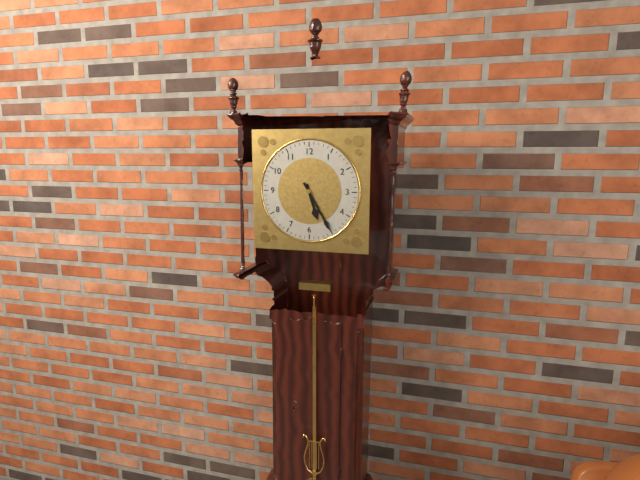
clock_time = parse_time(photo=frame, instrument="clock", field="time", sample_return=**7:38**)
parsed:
**5:25**
